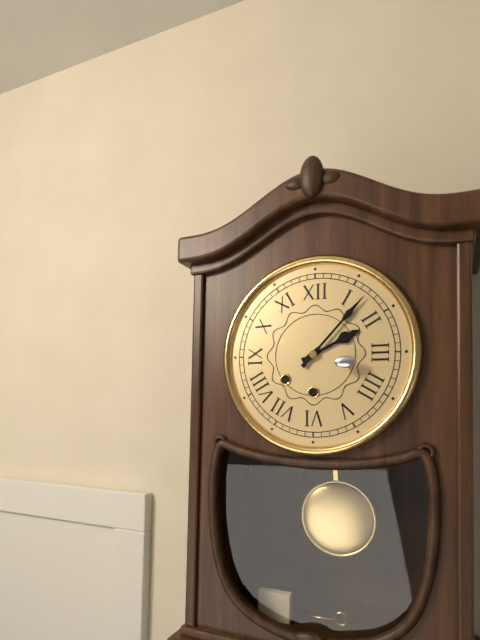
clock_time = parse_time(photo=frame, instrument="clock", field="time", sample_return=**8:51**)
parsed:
**2:07**
